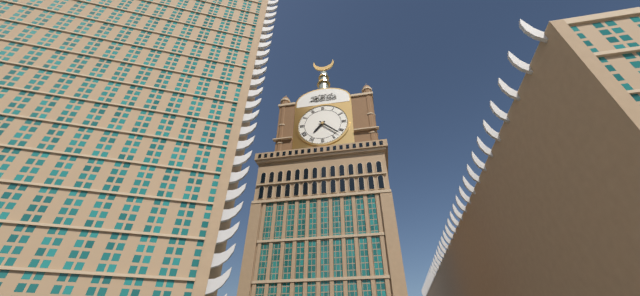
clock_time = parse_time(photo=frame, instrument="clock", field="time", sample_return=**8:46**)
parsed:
**7:22**
